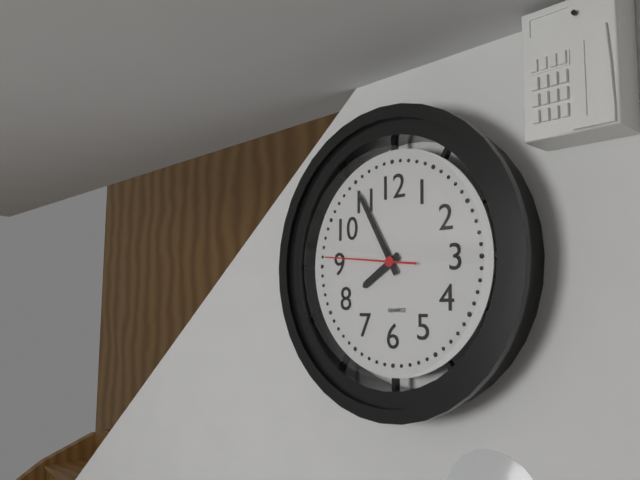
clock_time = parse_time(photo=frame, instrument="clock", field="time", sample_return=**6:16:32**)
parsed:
**7:55:46**
